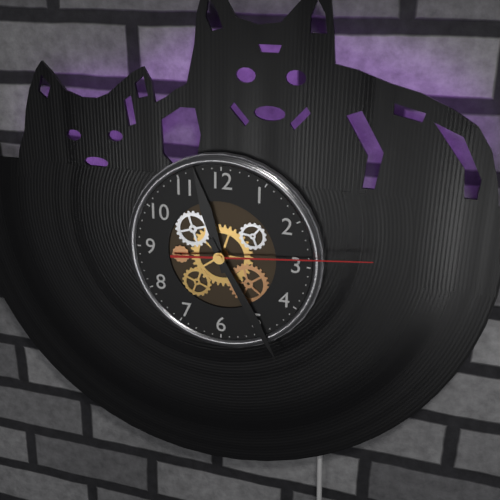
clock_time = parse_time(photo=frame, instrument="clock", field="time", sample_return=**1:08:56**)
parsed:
**11:25:14**
